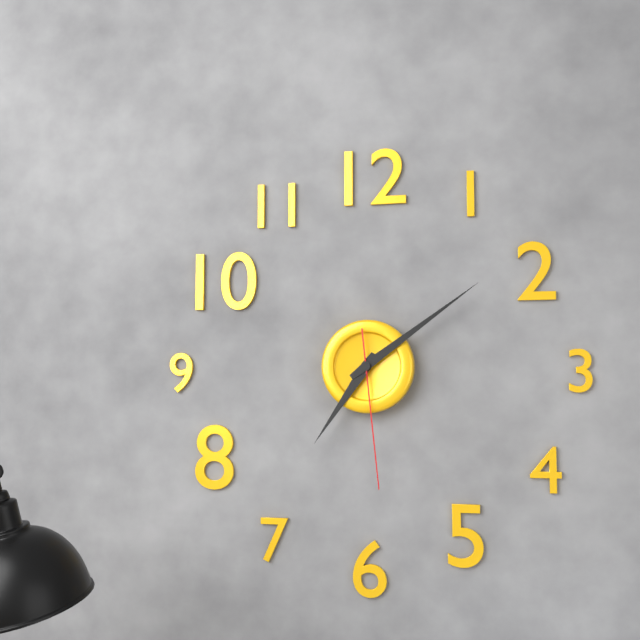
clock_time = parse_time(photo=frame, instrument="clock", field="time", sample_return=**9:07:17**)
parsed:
**7:09:29**
